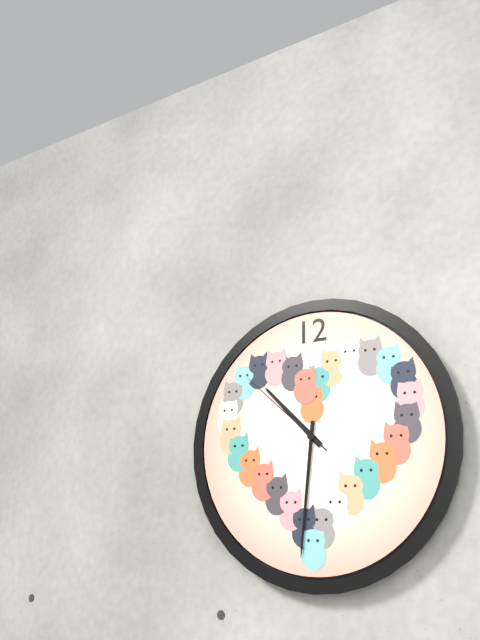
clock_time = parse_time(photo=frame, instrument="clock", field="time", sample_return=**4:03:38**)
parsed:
**10:31:52**
